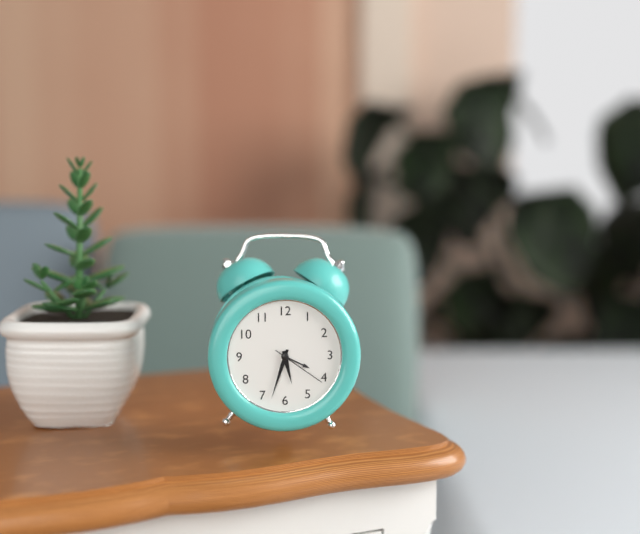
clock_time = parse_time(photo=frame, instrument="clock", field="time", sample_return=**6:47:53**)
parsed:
**5:33:21**
